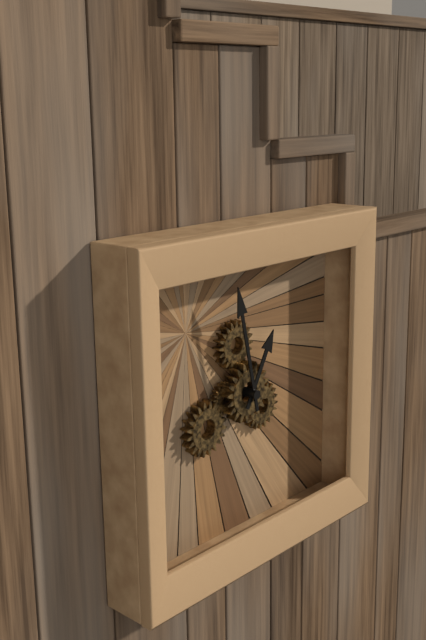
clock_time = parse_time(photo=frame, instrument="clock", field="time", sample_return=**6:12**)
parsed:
**12:58**
